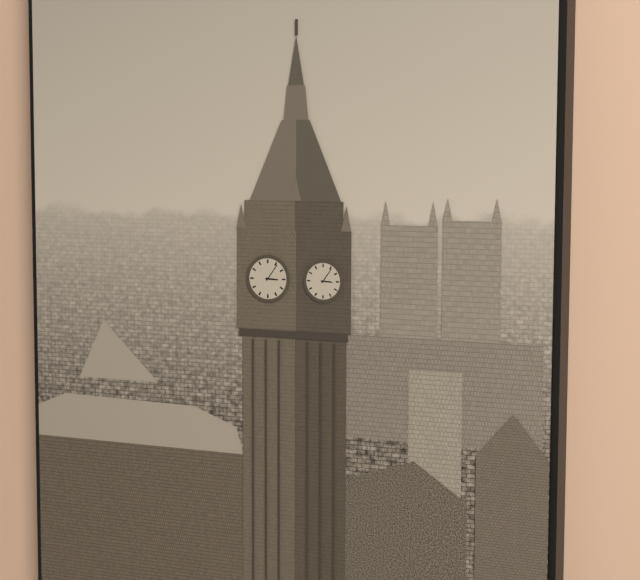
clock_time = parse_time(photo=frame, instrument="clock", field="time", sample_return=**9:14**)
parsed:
**3:06**
